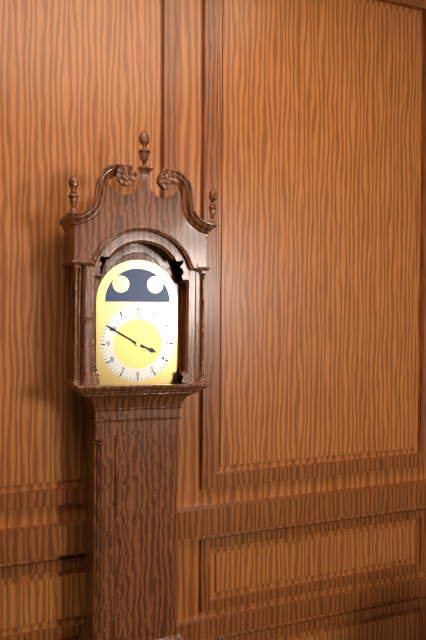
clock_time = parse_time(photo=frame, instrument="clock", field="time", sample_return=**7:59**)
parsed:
**3:50**
